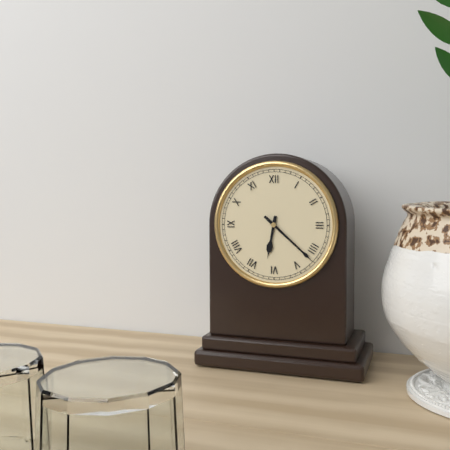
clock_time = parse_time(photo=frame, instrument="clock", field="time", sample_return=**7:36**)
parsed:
**6:22**
